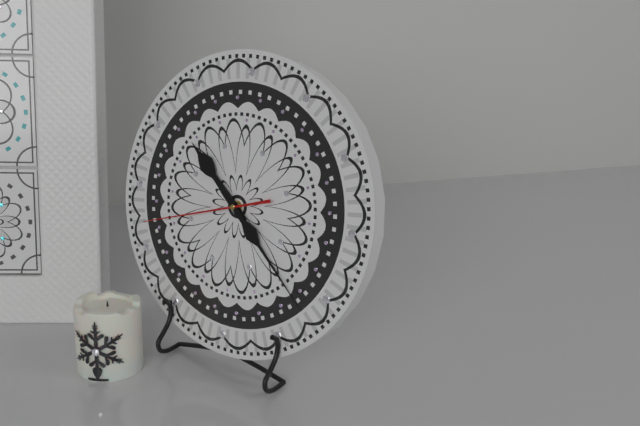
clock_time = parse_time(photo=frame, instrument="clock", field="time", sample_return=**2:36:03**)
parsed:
**10:22:42**
